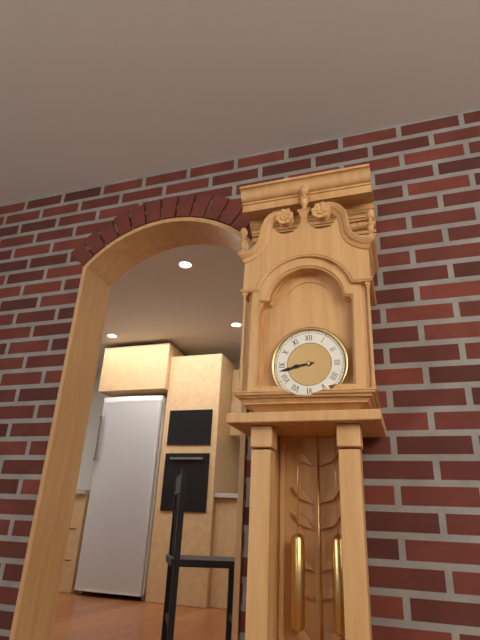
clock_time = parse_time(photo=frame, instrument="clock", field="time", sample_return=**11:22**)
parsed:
**8:43**
